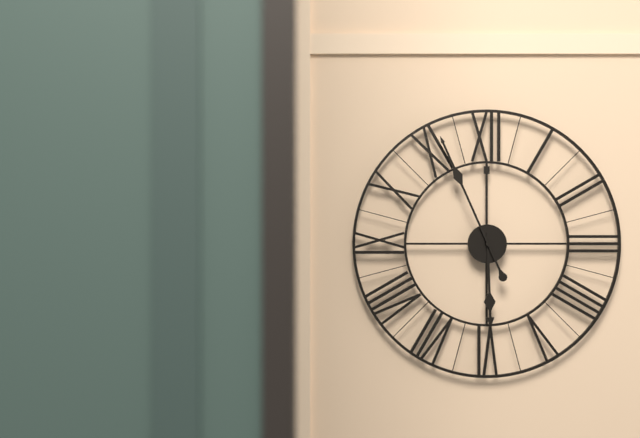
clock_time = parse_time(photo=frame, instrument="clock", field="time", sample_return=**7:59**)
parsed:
**5:56**
